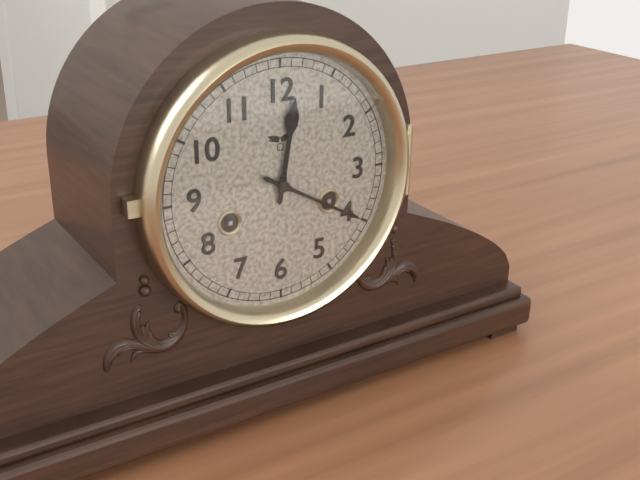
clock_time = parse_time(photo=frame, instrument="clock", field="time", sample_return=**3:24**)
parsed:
**12:20**
